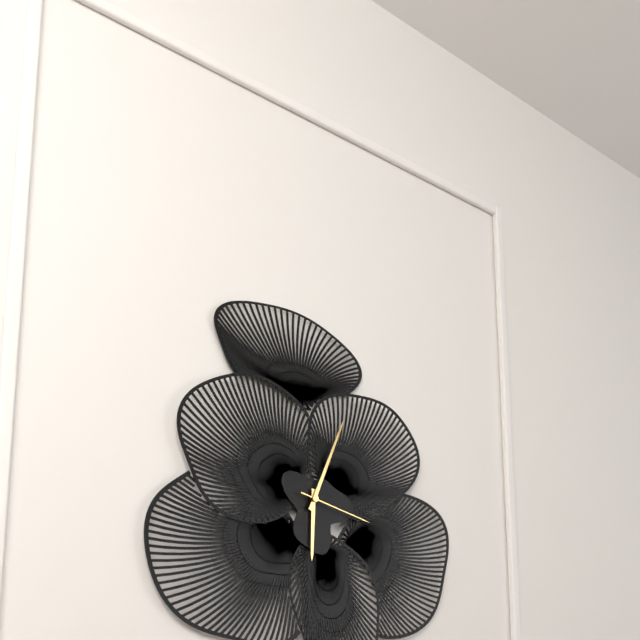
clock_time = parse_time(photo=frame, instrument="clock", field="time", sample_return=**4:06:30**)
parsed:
**6:04:17**
